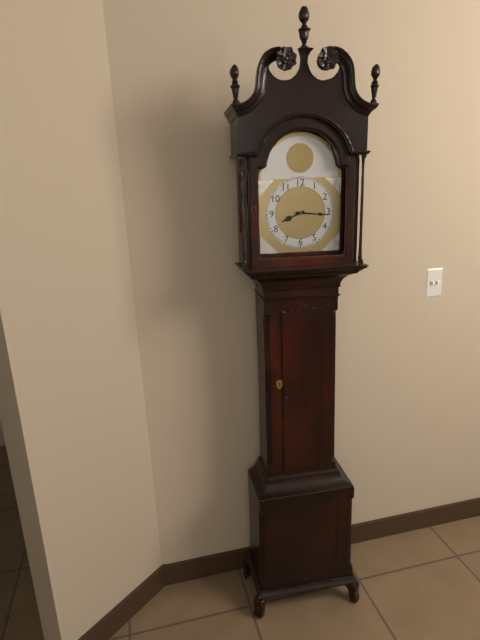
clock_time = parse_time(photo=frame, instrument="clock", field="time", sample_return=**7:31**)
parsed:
**8:16**
